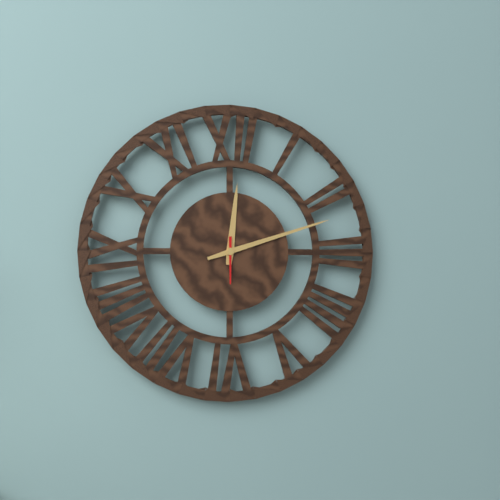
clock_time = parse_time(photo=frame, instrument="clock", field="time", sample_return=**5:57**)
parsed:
**12:12**
